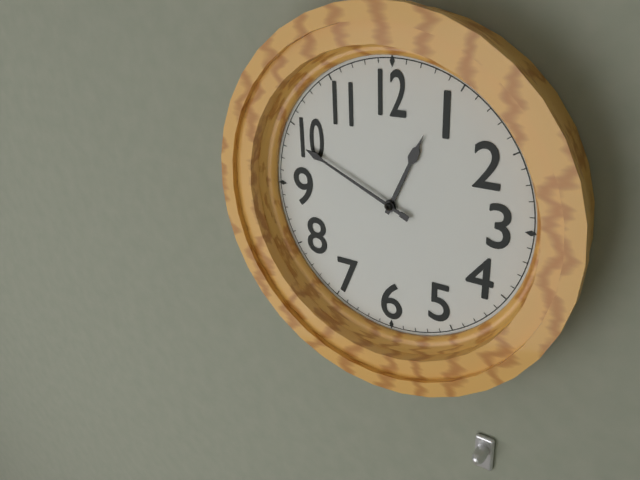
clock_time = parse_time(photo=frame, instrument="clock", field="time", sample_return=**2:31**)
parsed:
**12:49**
